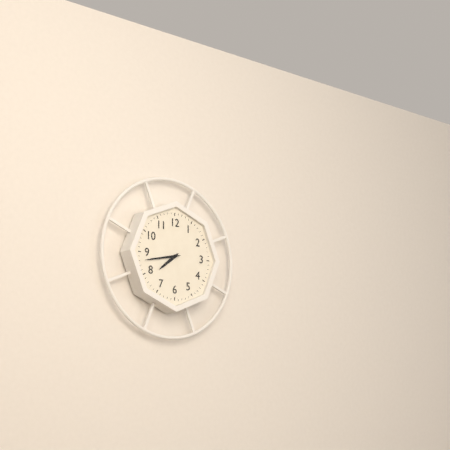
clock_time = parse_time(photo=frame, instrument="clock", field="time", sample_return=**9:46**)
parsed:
**7:43**
